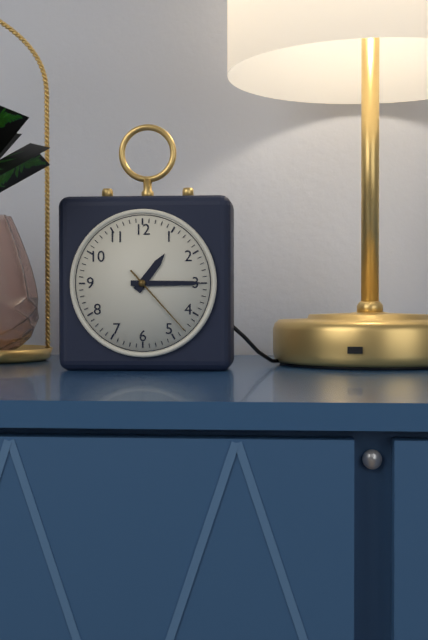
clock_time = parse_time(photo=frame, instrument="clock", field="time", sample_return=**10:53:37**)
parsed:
**1:15:23**
